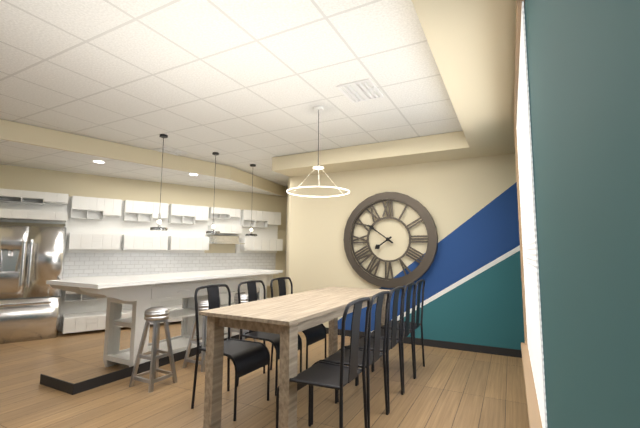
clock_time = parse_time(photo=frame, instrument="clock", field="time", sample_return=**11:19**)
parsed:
**7:51**
